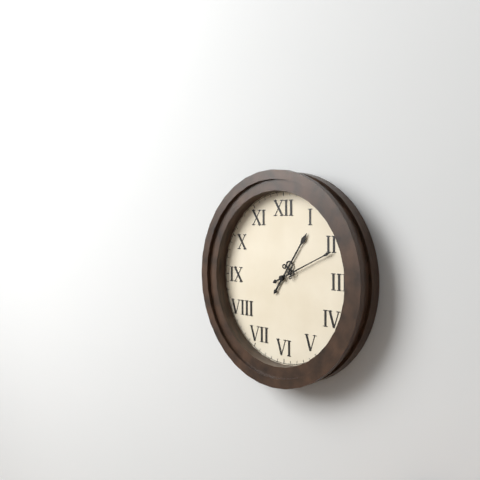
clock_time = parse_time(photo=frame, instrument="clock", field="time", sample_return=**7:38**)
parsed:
**1:11**
